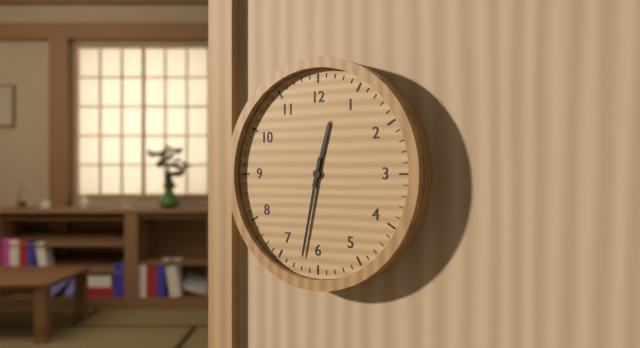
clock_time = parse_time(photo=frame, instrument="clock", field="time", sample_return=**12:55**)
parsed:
**12:32**
